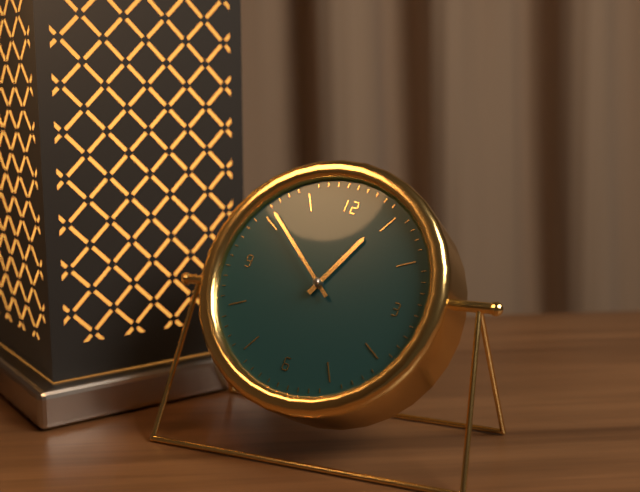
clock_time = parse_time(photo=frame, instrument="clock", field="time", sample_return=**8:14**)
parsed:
**12:51**
